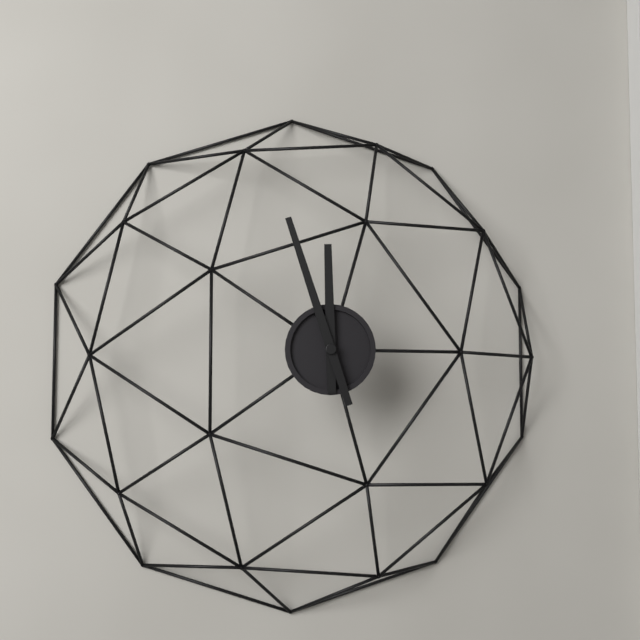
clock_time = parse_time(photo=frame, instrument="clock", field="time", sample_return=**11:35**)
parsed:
**11:57**
